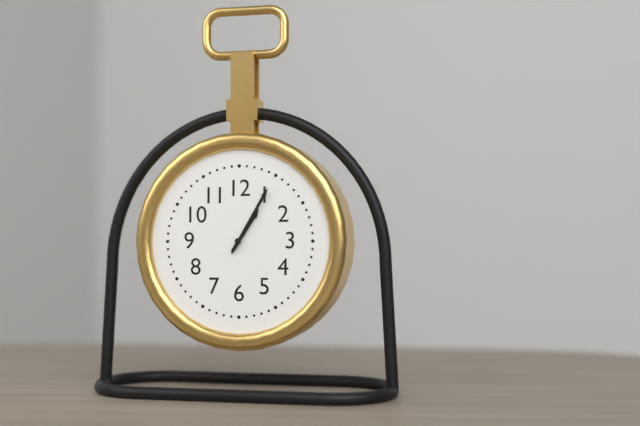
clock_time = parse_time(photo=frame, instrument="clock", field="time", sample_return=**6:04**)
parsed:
**1:05**
